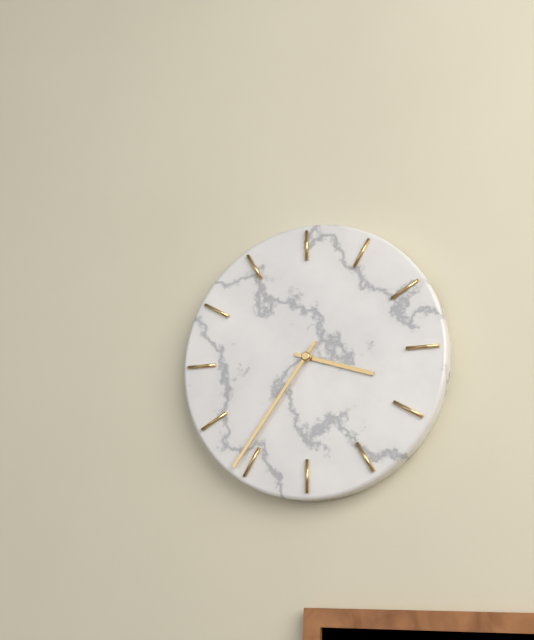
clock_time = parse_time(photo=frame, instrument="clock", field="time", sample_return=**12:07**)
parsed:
**3:36**
